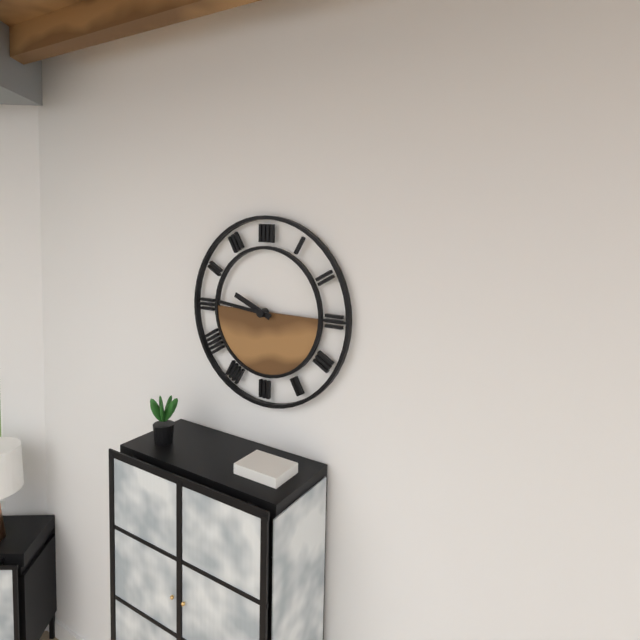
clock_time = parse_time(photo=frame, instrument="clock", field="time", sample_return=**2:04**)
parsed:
**9:46**
